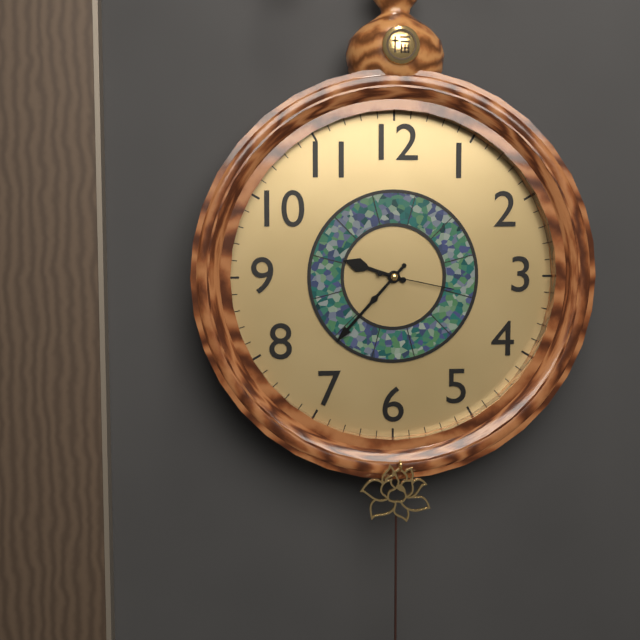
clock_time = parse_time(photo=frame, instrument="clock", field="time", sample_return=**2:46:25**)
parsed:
**9:37:17**
